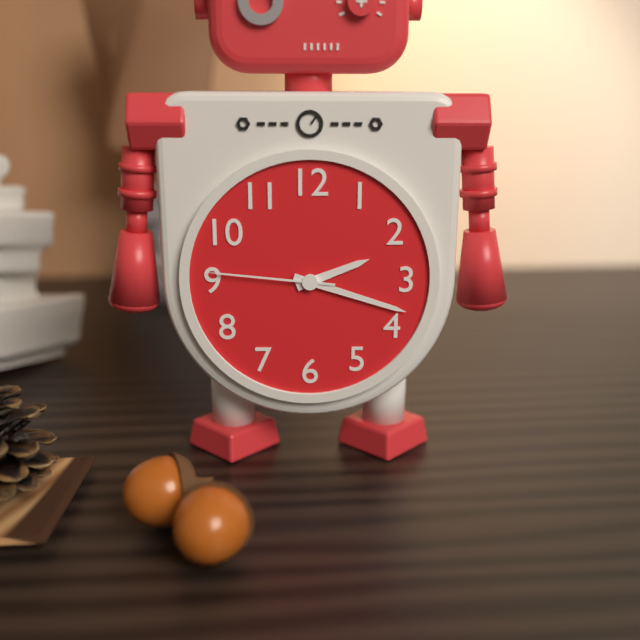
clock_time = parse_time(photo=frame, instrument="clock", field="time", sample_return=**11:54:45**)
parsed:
**2:18:46**
